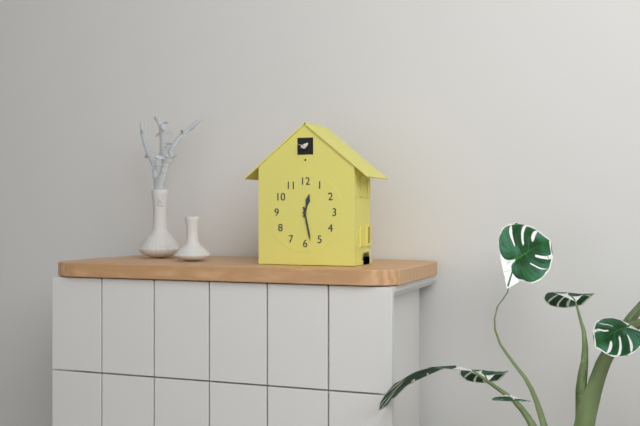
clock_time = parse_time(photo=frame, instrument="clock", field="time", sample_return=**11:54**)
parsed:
**12:28**
